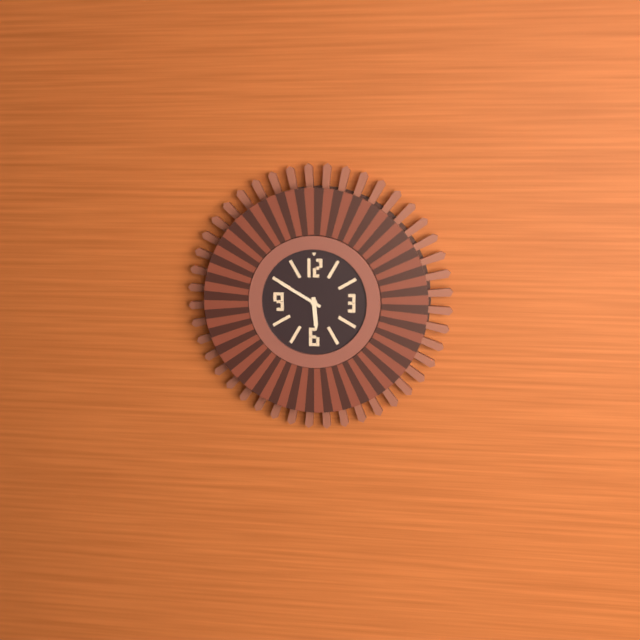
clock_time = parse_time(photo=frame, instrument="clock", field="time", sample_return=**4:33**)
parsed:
**5:50**
